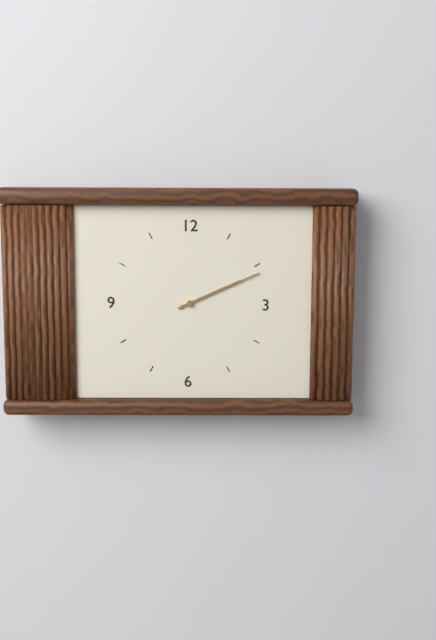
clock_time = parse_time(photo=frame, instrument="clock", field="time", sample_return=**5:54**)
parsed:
**2:11**
